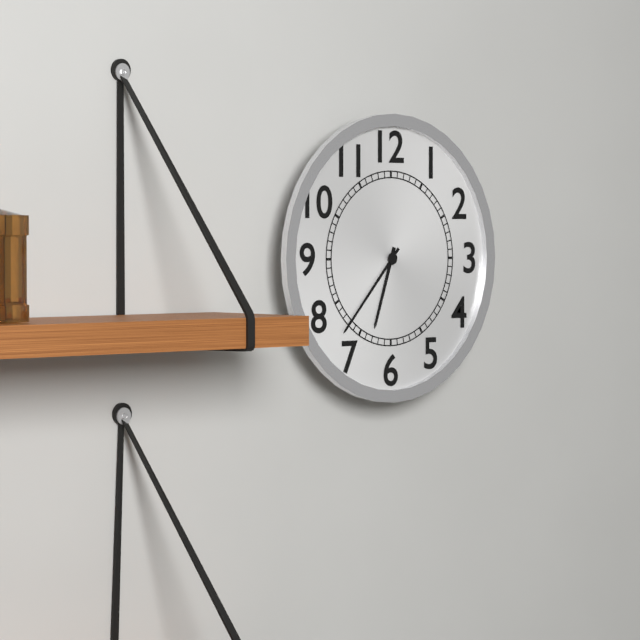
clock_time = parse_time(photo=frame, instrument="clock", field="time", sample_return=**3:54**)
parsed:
**6:37**
